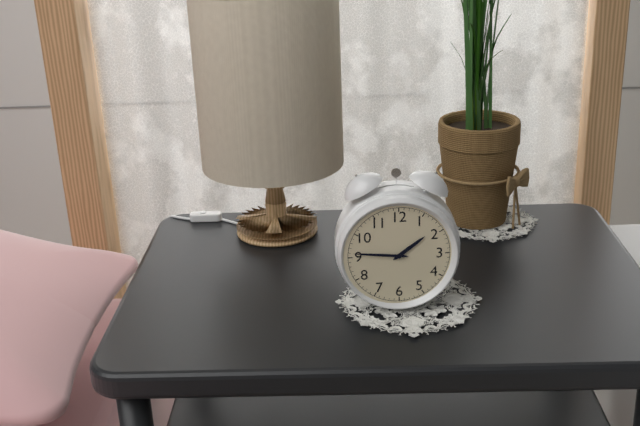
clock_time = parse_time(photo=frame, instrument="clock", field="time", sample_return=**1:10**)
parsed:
**1:46**
